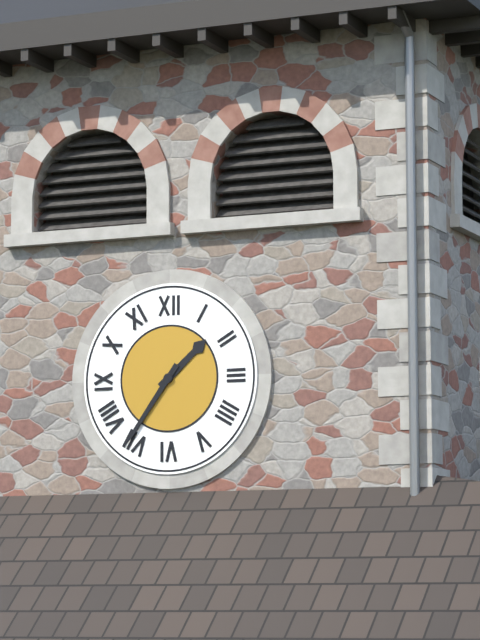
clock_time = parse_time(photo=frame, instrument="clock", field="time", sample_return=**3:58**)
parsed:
**1:36**
